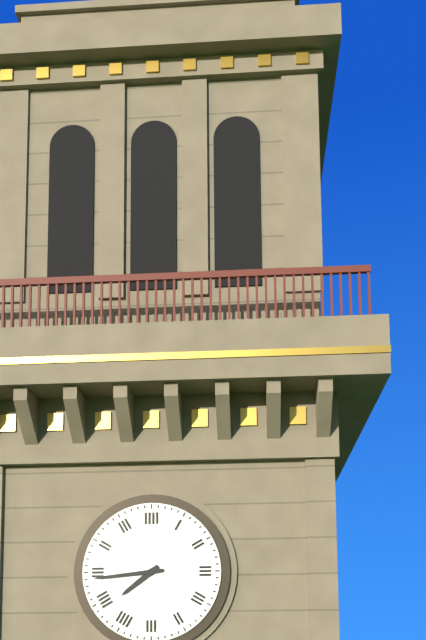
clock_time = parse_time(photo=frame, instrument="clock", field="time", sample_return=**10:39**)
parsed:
**7:44**
